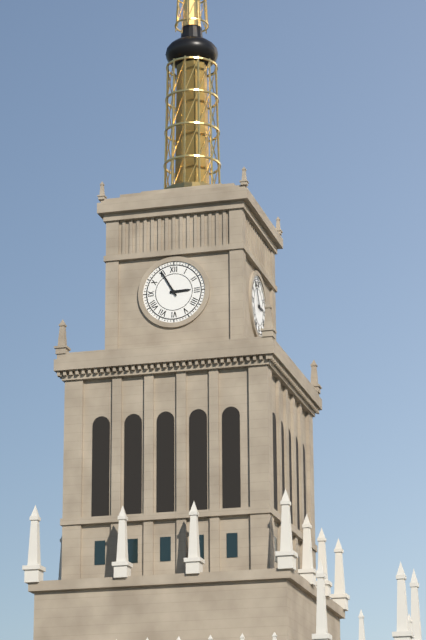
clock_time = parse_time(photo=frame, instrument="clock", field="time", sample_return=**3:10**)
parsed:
**2:55**
